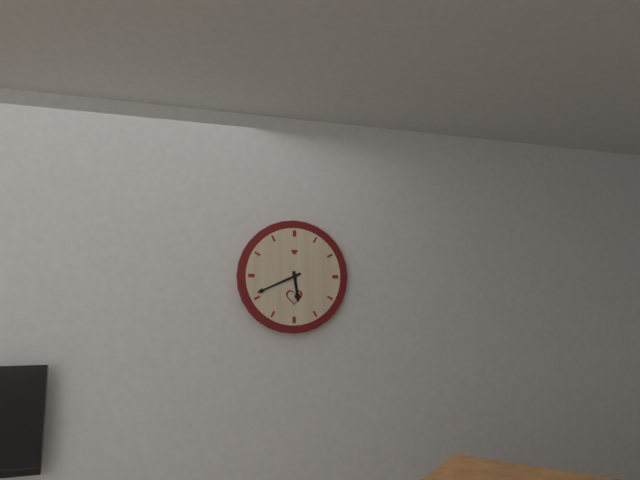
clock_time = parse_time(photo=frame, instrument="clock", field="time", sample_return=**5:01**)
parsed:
**5:41**
